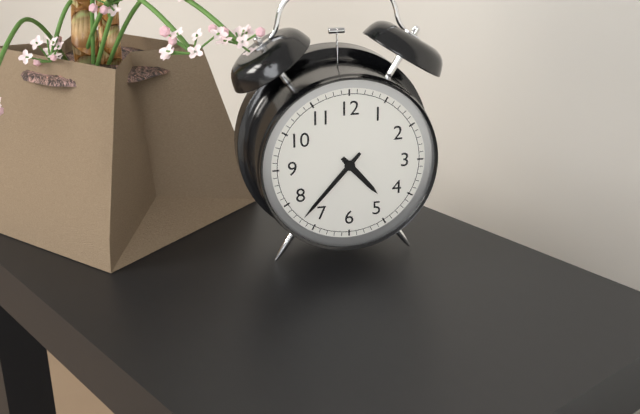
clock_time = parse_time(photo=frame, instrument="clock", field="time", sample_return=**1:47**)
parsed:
**4:37**
